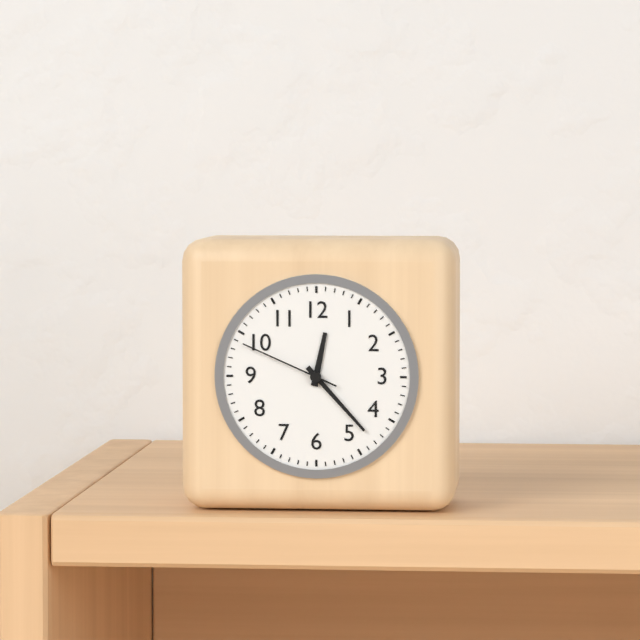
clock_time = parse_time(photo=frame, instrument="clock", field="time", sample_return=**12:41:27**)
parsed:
**12:23:49**
